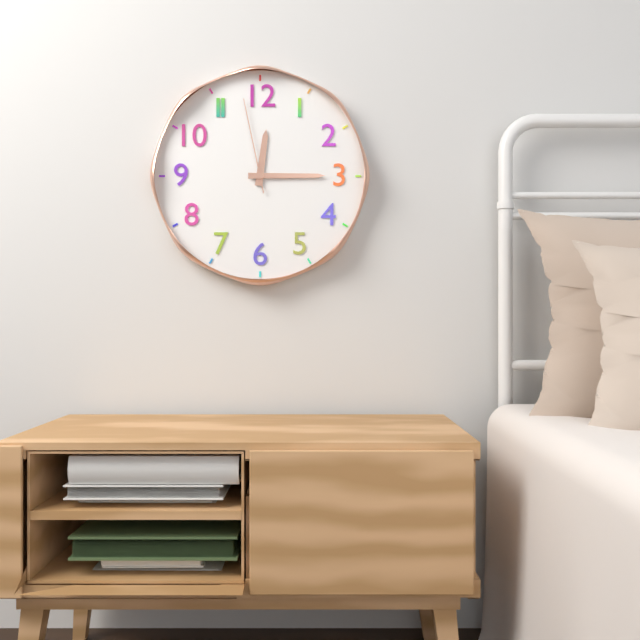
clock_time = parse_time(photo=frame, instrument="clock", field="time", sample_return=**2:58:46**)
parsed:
**12:15:58**
